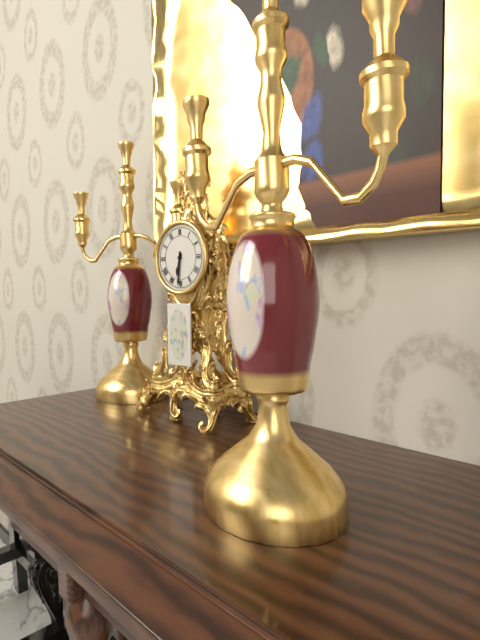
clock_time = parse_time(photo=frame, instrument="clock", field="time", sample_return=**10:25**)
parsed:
**6:31**
